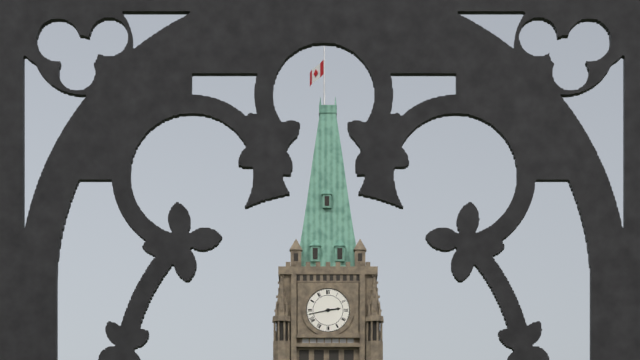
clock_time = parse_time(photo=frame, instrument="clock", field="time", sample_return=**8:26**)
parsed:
**2:43**
